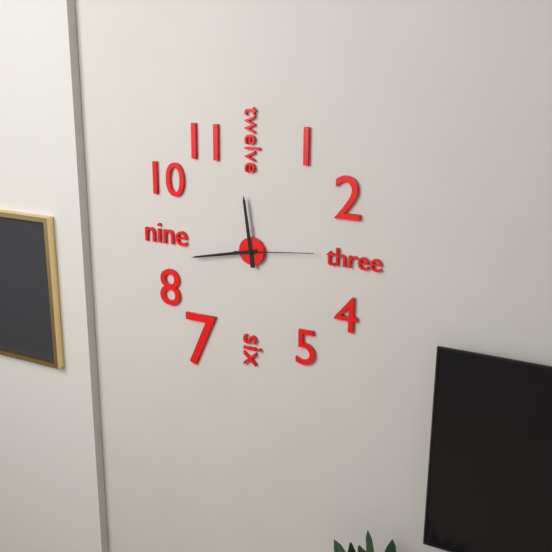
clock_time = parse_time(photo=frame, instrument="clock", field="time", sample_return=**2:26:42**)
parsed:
**11:43:14**
